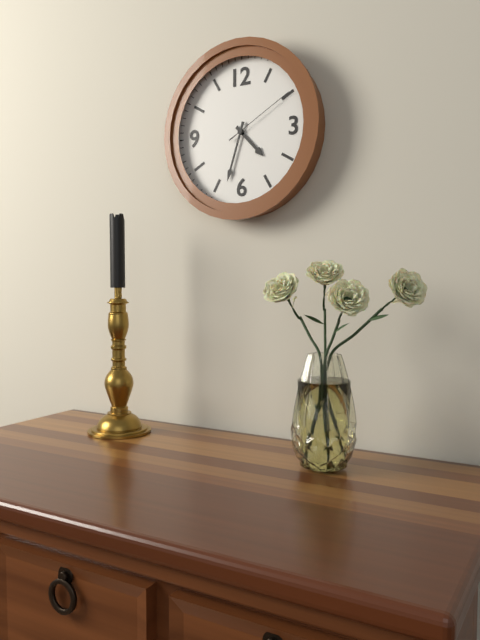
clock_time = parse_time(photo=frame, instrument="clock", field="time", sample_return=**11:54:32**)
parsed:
**4:33:10**
